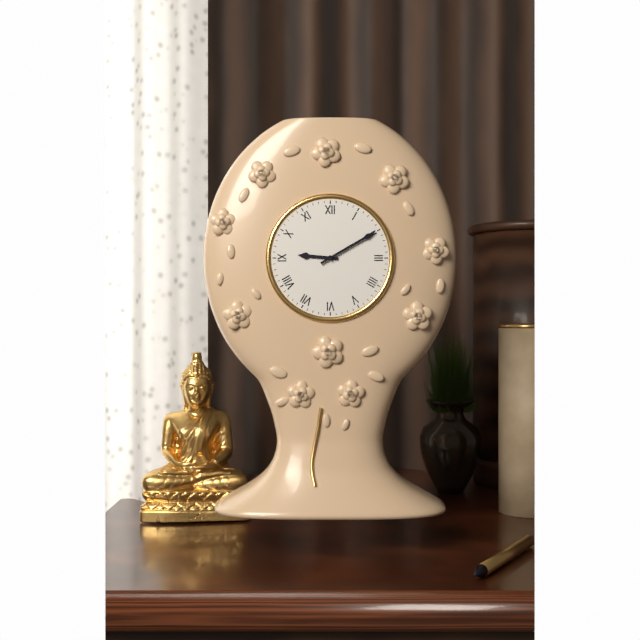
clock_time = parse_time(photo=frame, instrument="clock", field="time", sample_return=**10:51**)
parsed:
**9:10**
